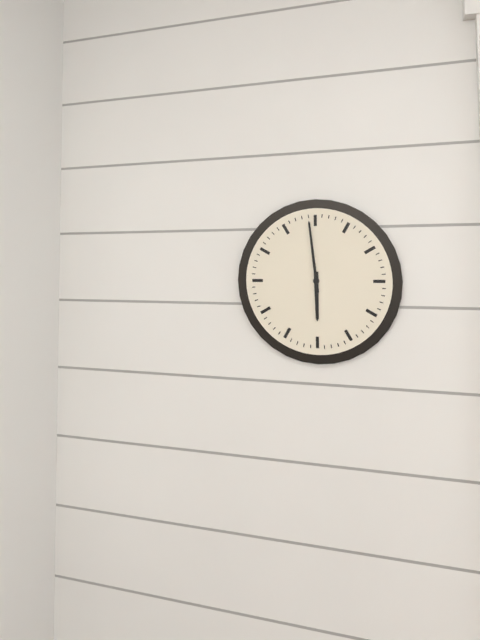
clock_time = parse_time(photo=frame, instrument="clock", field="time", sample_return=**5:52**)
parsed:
**5:59**
